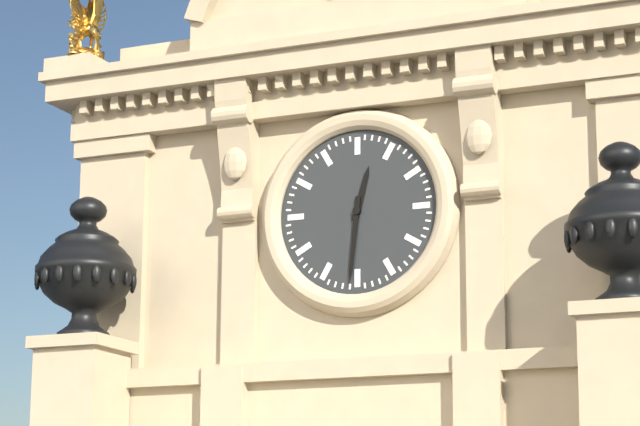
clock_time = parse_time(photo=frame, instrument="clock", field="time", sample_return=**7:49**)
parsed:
**12:31**
